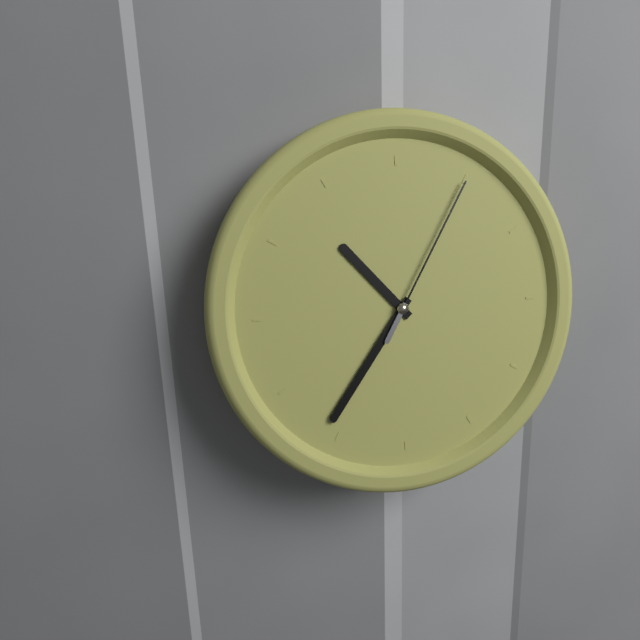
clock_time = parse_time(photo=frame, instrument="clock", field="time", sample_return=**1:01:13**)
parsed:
**10:36:05**
